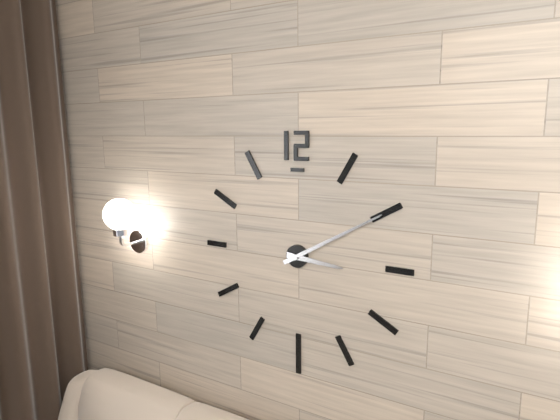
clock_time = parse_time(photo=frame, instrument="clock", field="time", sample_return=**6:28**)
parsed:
**3:10**
